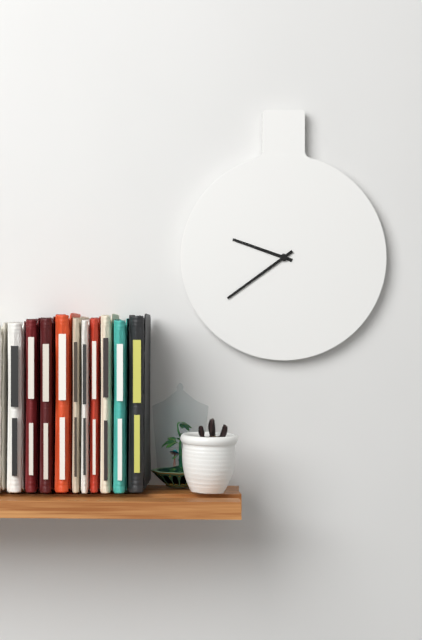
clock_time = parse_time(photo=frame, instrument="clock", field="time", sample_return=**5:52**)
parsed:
**9:39**
